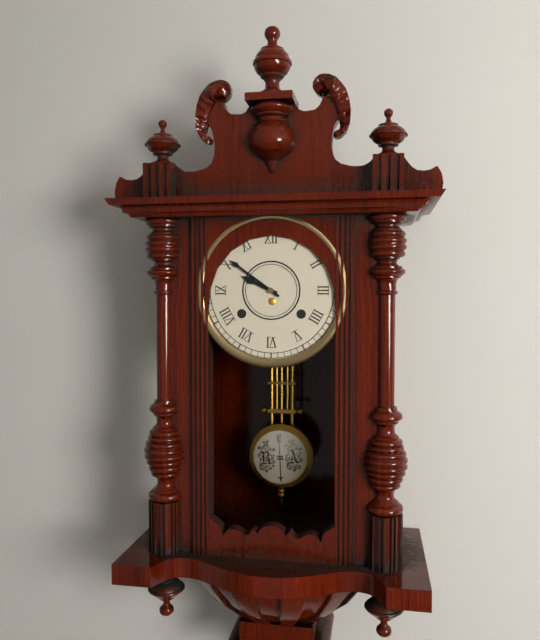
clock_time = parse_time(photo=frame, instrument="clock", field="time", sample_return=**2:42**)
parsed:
**9:51**
